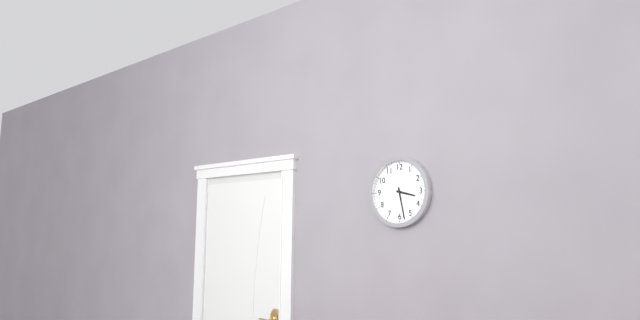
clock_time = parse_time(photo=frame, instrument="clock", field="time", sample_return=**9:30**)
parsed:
**3:28**
